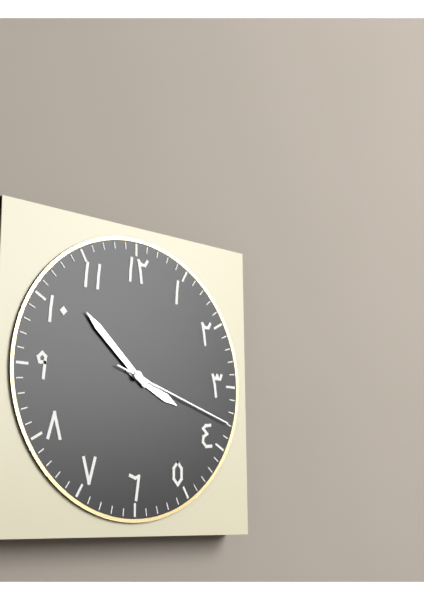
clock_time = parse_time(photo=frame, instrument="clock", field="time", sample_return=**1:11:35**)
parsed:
**3:52:18**
